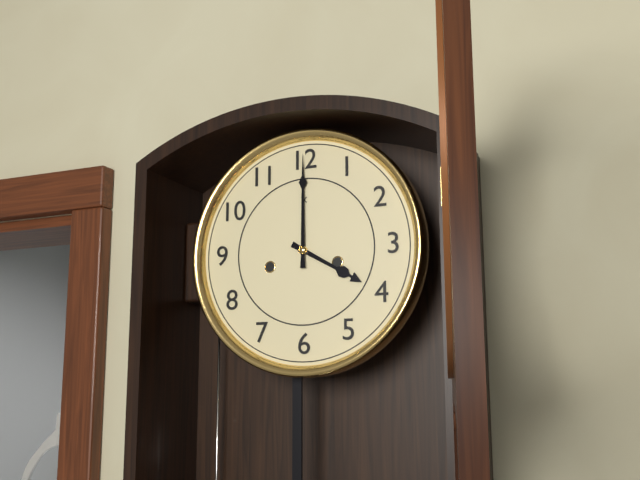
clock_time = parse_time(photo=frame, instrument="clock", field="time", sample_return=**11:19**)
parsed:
**4:00**
